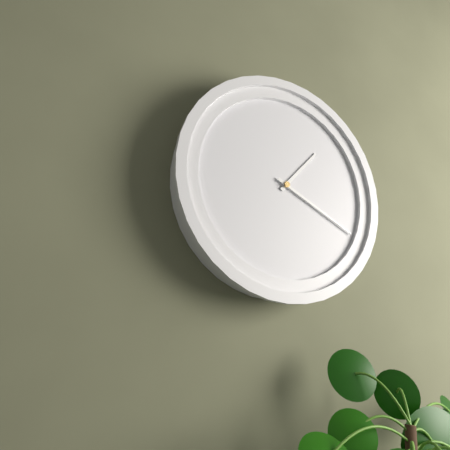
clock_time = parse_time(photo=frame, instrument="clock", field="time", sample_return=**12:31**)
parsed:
**1:19**
